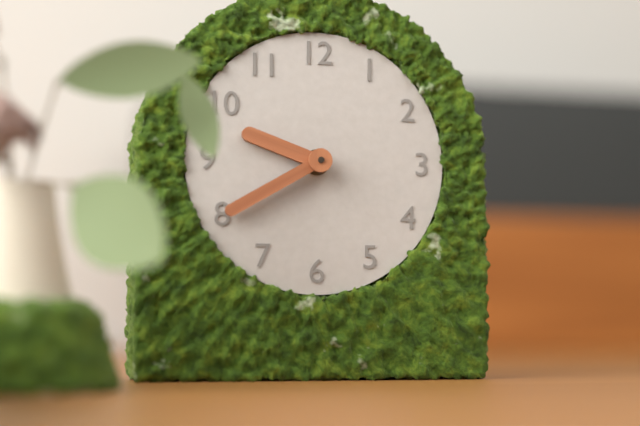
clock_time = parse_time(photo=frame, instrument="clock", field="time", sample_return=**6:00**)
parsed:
**9:40**
